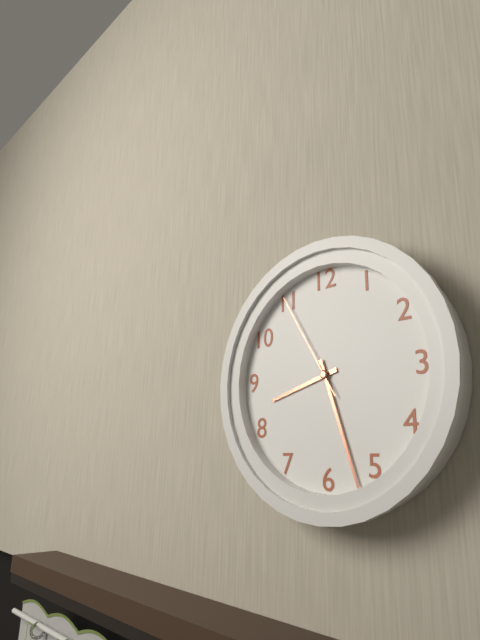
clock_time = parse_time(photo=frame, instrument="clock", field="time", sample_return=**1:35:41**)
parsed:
**8:27:55**
